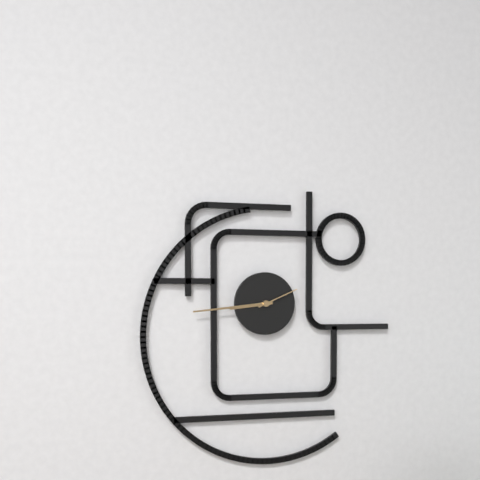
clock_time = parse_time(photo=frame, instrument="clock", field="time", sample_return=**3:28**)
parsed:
**8:44**
